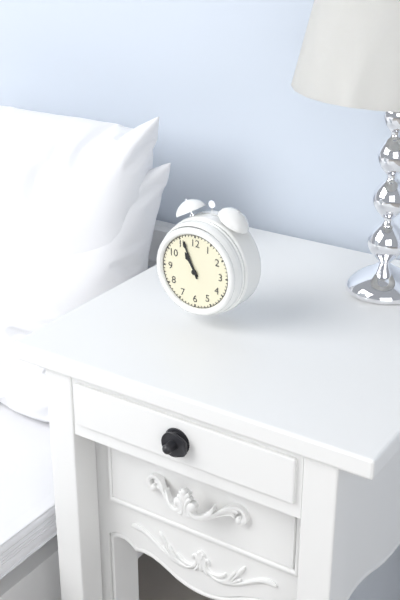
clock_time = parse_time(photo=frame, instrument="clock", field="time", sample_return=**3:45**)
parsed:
**10:56**
